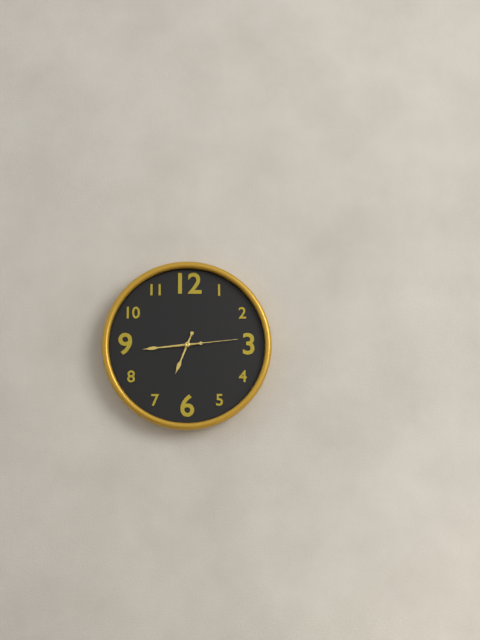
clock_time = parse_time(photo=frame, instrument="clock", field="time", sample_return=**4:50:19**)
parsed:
**6:44:14**
